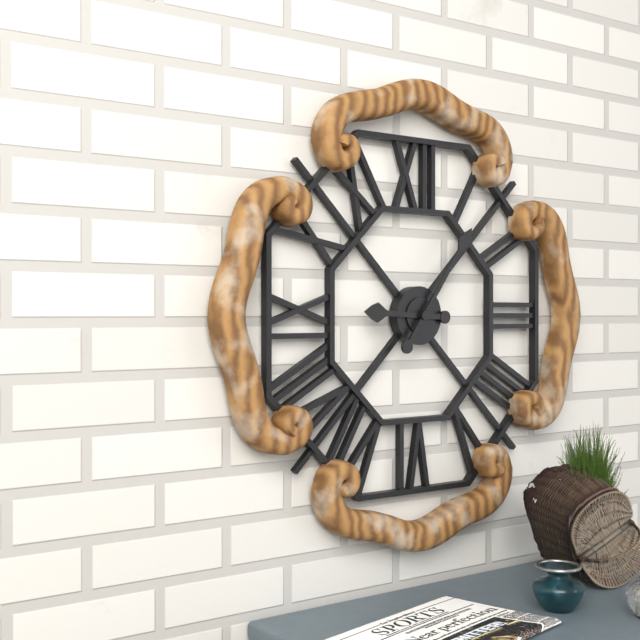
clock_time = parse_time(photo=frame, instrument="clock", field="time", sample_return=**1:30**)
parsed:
**9:06**
